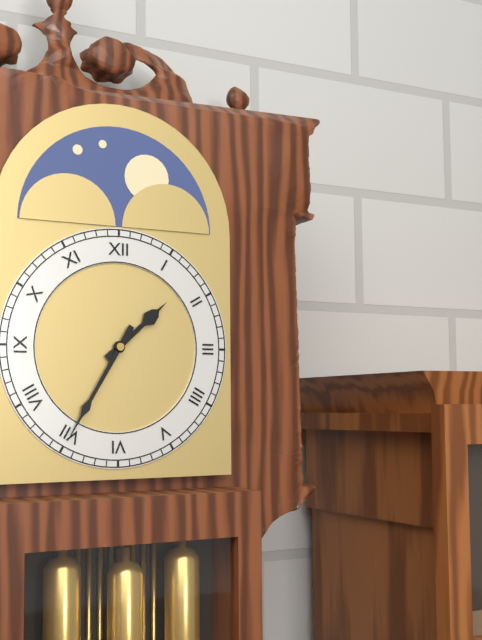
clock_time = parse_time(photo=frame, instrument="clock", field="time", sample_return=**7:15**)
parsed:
**1:35**
